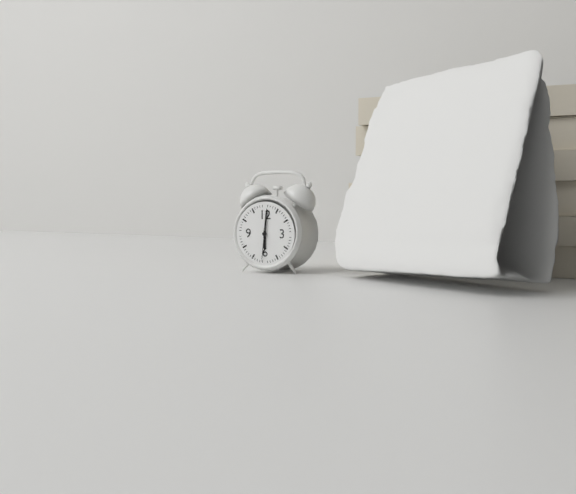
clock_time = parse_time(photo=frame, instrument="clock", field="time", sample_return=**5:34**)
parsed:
**6:01**
